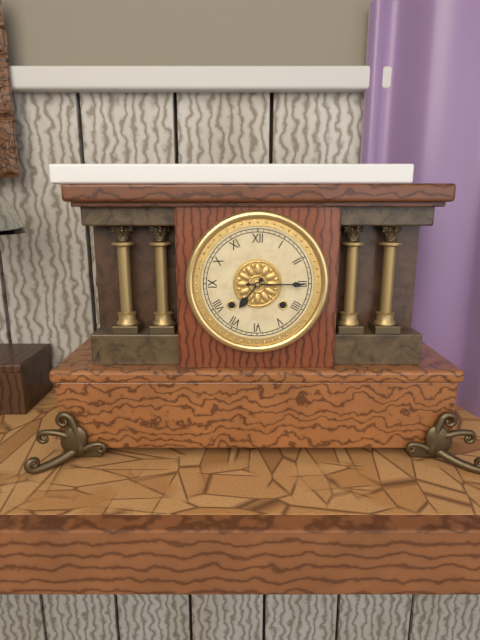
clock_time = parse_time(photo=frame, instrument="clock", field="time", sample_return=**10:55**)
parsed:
**7:15**
